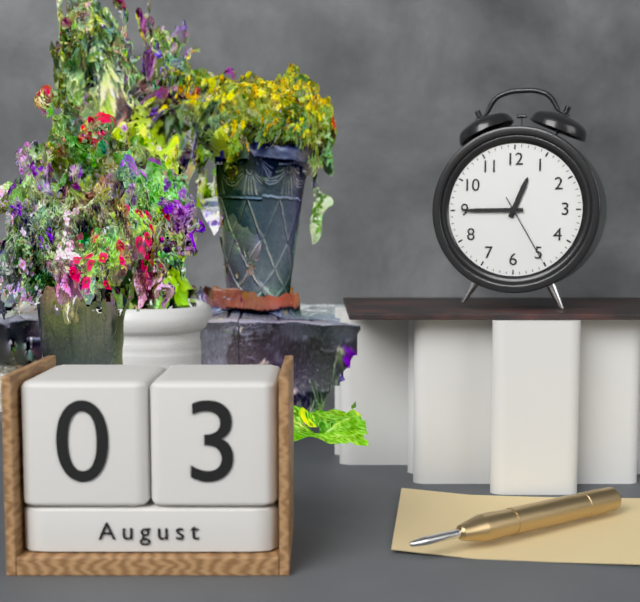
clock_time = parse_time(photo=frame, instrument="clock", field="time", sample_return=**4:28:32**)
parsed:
**12:45:25**
